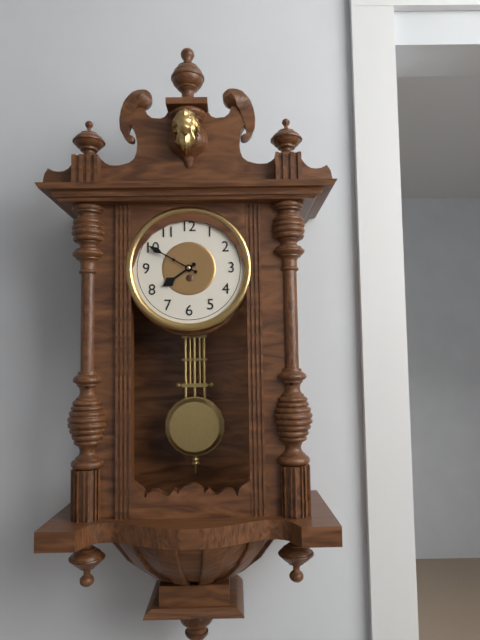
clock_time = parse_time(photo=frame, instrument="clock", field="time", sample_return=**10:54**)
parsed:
**7:50**
